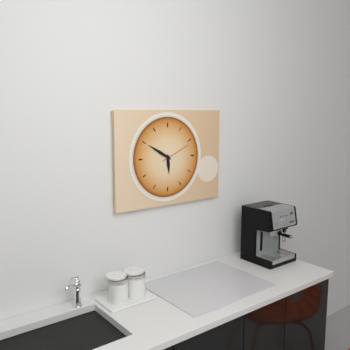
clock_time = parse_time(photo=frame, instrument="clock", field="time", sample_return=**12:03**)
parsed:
**5:50**
